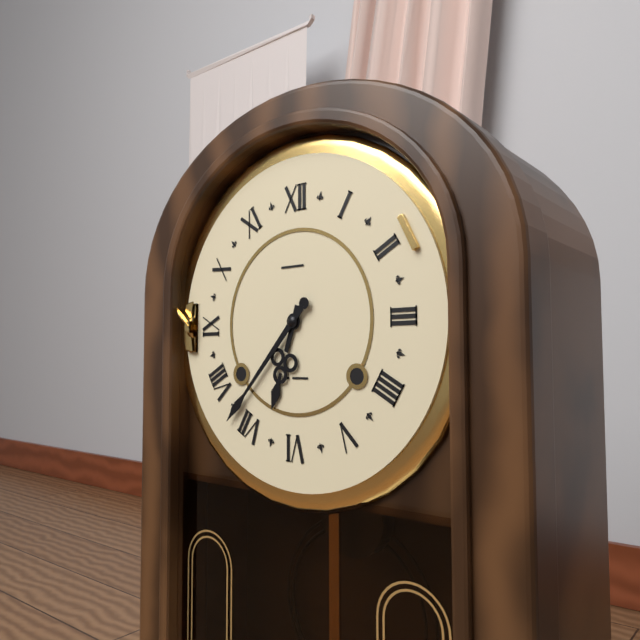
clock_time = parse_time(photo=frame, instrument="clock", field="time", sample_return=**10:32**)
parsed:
**6:37**
